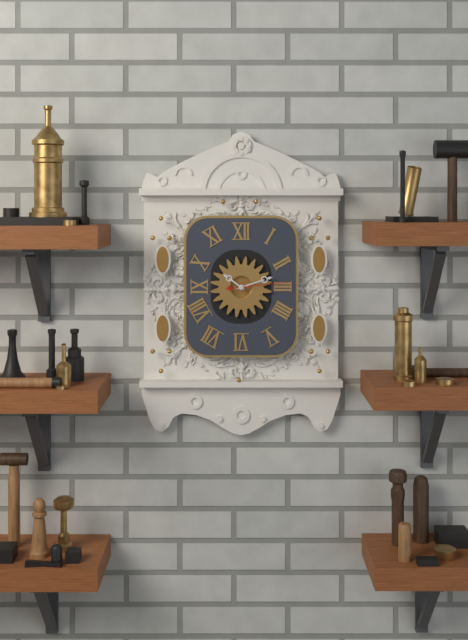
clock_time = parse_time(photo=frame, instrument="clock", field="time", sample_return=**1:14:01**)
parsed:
**10:12:14**
